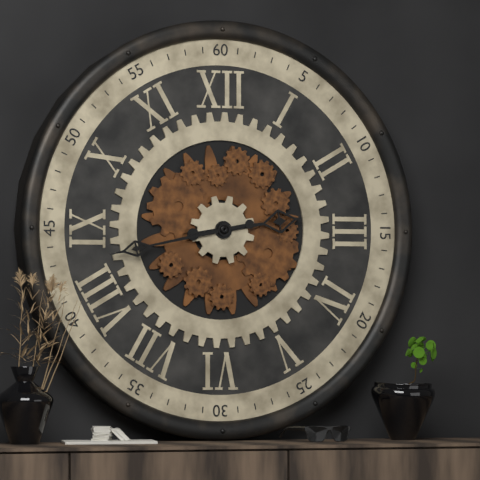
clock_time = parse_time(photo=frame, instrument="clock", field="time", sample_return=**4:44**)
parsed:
**2:43**
